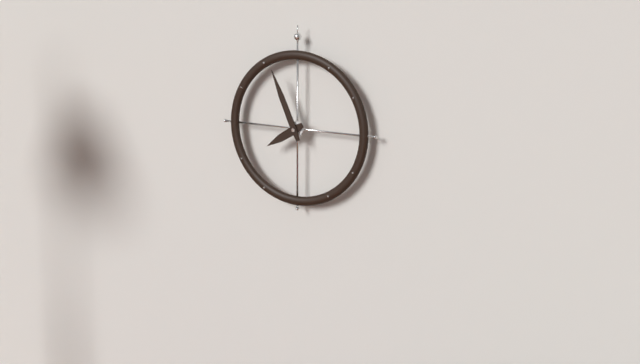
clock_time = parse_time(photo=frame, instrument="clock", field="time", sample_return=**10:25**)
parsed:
**7:56**
